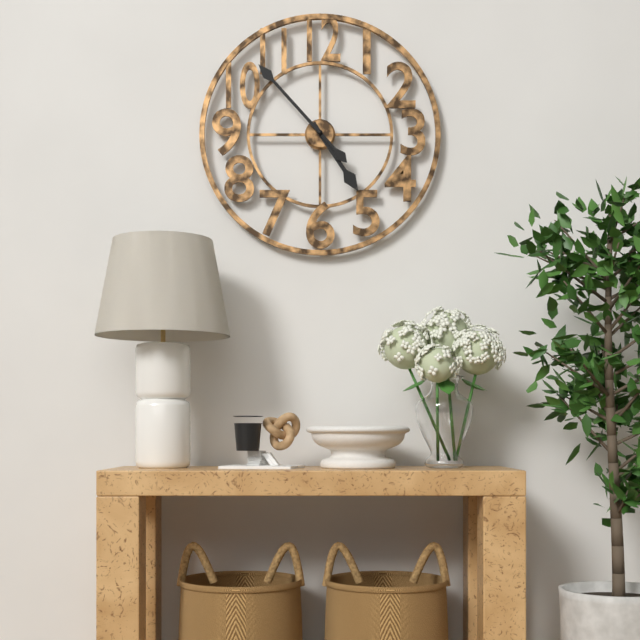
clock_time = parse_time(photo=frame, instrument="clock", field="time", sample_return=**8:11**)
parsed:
**4:53**
